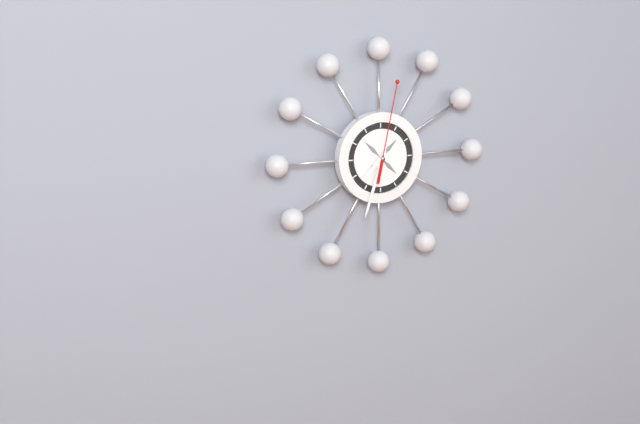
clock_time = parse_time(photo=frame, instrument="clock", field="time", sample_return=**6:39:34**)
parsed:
**7:33:02**
